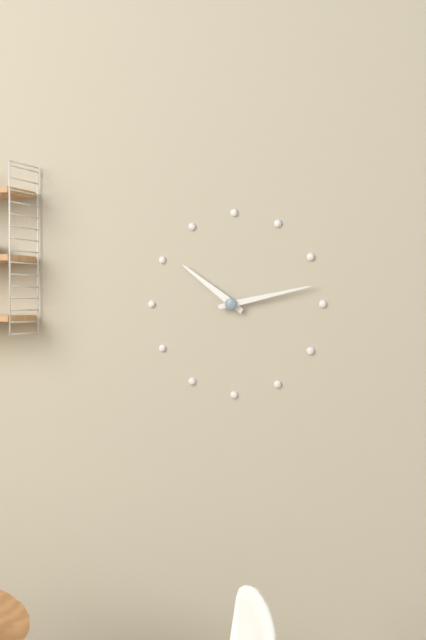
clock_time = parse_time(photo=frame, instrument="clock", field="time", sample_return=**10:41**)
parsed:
**10:13**
